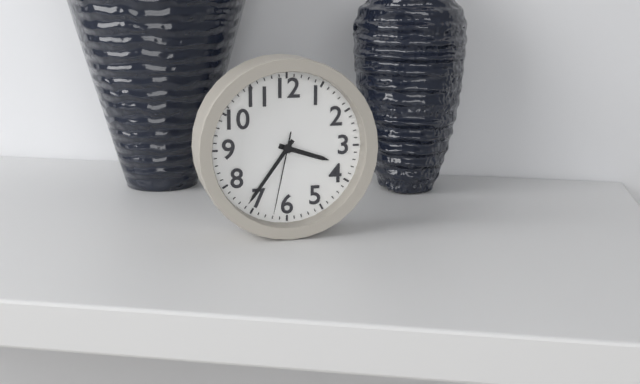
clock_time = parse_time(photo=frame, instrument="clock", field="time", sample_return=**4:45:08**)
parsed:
**3:36:32**
